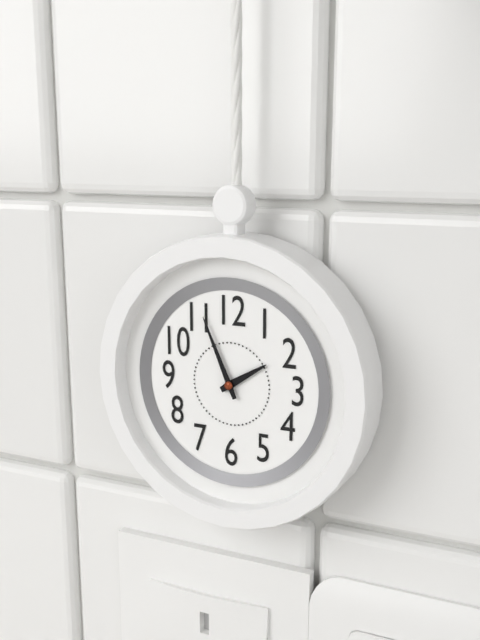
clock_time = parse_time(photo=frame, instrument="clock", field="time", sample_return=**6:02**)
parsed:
**1:56**
